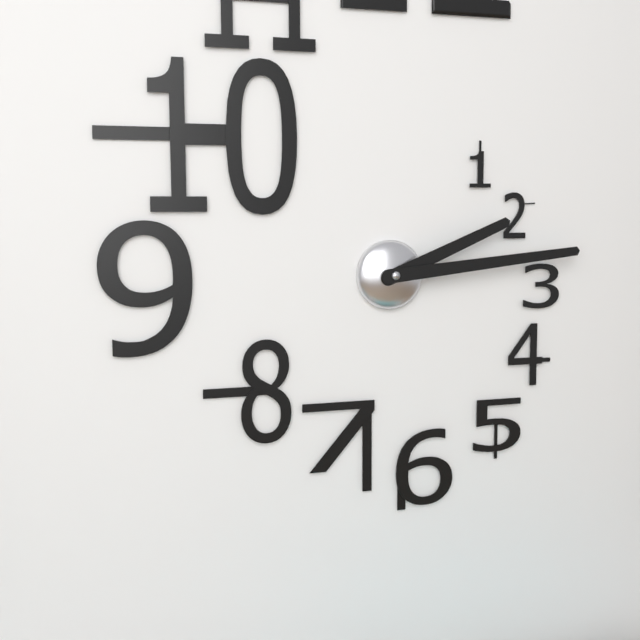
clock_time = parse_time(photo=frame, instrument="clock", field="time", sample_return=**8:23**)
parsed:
**2:14**
